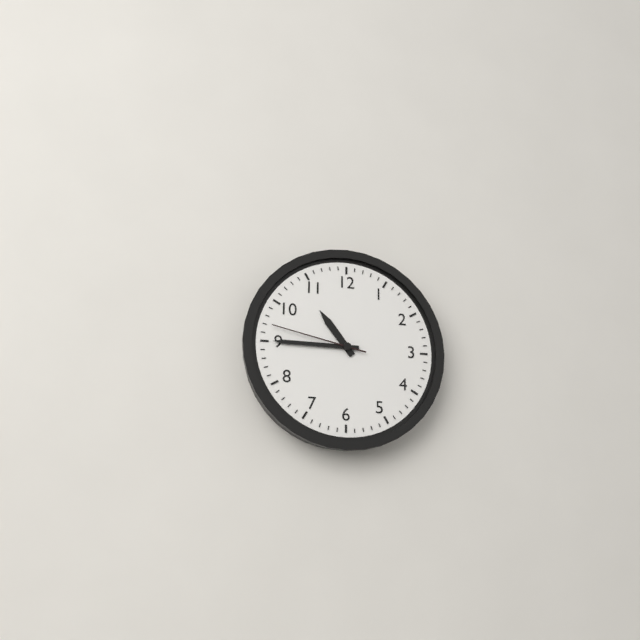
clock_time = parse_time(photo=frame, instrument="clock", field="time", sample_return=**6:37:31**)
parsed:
**10:45:47**
